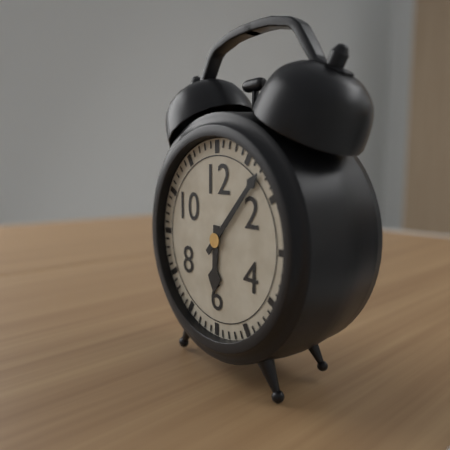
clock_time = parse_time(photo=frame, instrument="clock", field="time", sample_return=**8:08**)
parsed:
**6:07**
